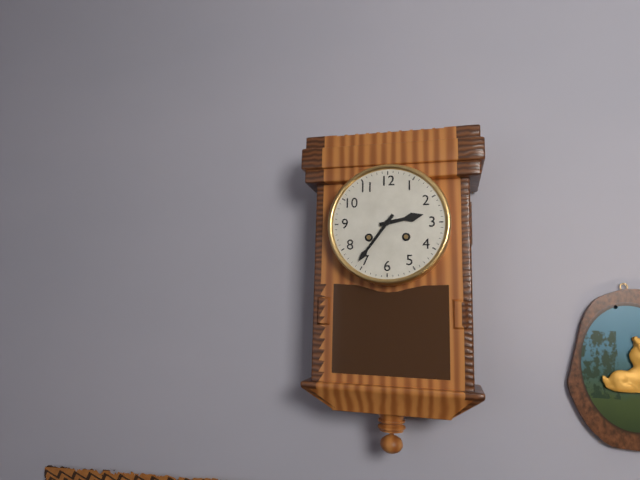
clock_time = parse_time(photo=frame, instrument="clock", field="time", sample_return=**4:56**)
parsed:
**2:36**
